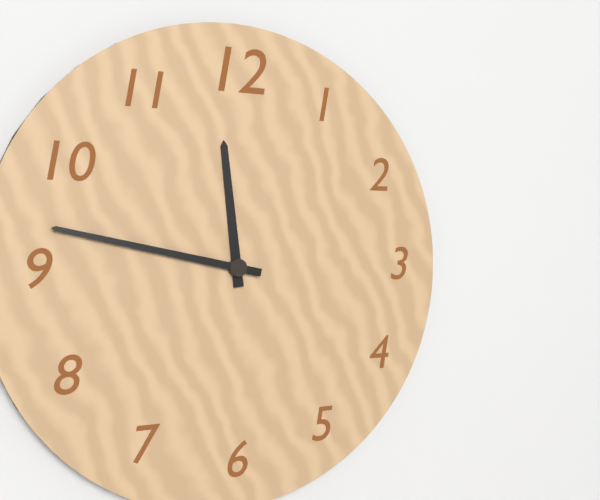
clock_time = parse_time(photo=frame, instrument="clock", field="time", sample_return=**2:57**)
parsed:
**11:47**
